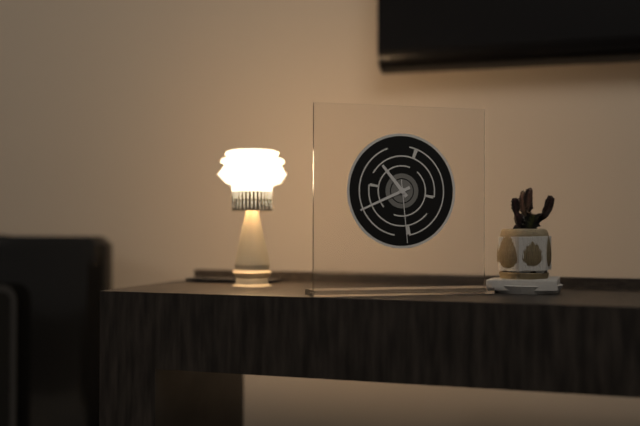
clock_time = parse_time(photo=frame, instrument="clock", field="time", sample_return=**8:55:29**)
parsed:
**10:41:29**
